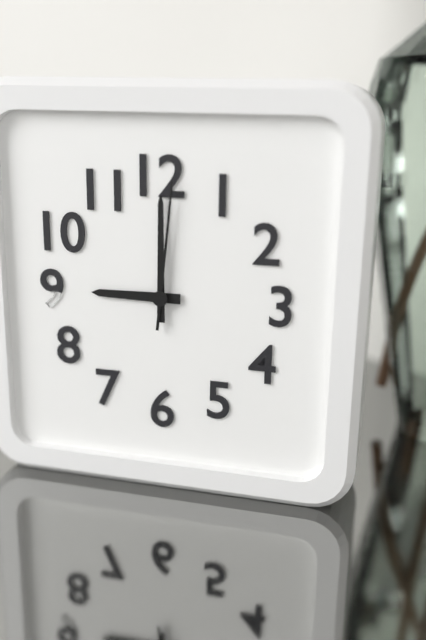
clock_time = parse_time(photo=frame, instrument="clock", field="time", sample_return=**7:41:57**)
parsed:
**9:00:01**
